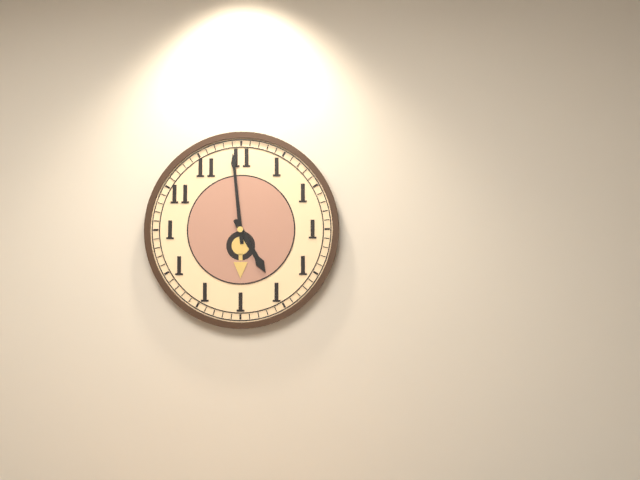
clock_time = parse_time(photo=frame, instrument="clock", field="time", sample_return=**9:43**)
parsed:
**4:59**
